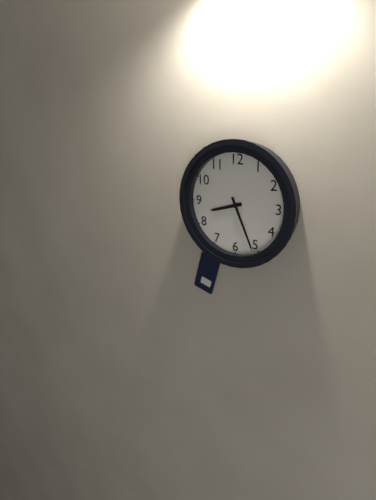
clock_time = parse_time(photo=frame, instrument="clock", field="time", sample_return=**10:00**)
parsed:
**8:26**
